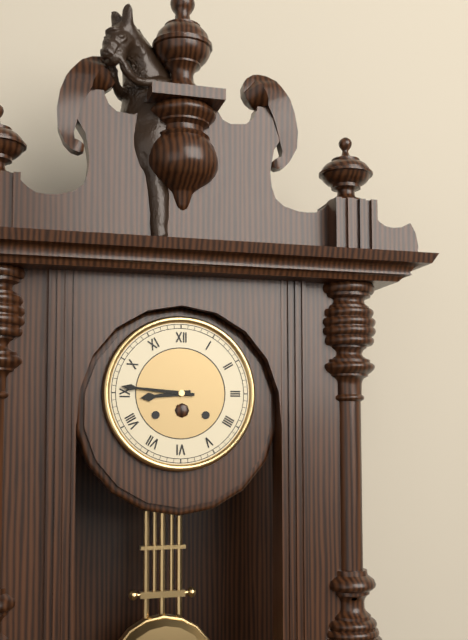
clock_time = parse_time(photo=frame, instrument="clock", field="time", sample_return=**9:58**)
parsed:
**8:46**
